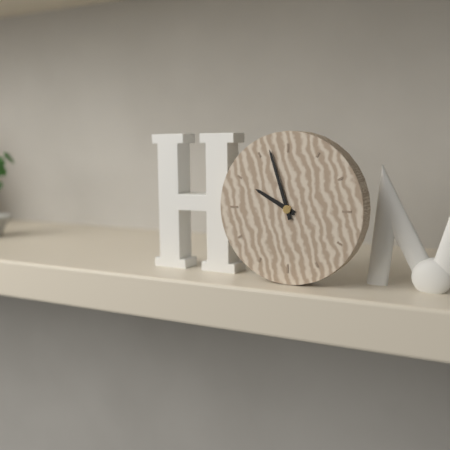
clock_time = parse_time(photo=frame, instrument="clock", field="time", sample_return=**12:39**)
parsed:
**9:57**
